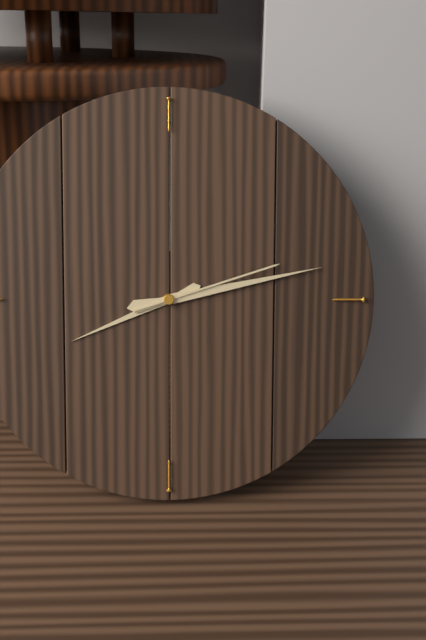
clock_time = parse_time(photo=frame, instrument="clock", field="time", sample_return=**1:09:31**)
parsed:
**8:13:12**
